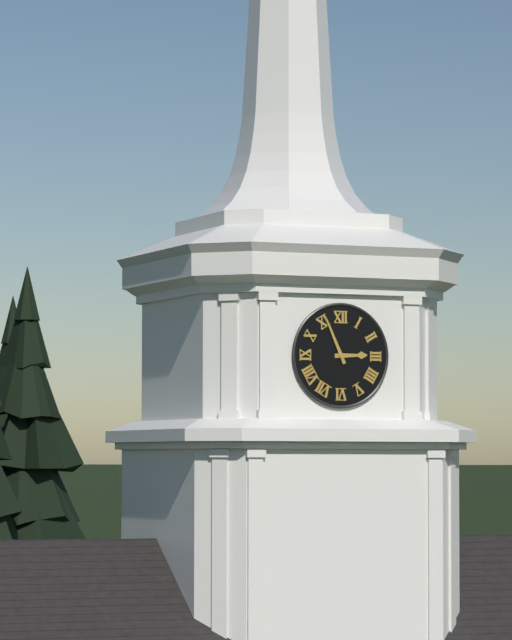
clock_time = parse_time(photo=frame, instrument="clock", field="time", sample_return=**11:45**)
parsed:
**2:56**
